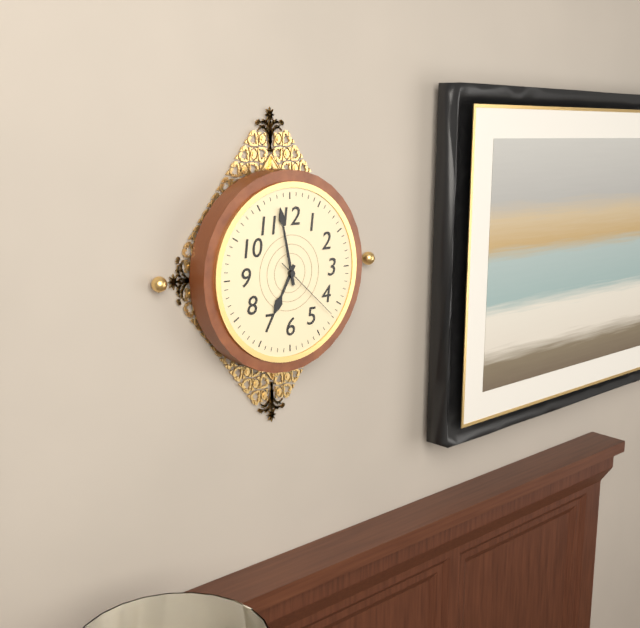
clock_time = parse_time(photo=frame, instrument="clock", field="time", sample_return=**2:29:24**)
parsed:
**6:58:22**
